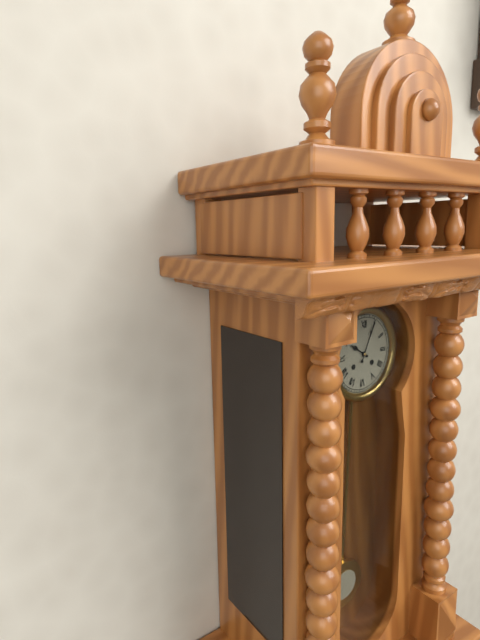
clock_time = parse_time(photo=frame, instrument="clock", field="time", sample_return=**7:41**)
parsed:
**10:04**
